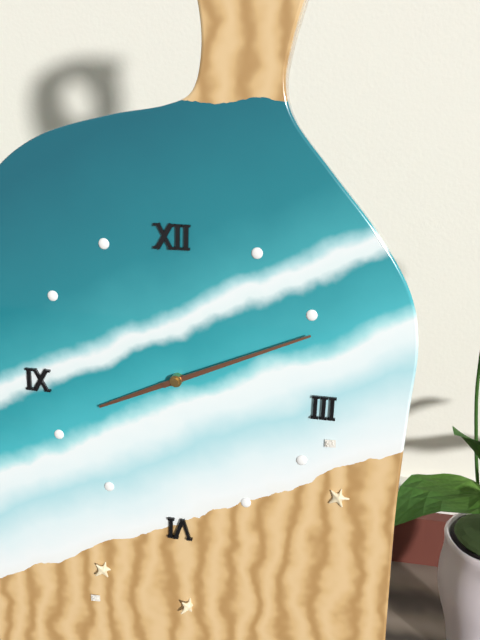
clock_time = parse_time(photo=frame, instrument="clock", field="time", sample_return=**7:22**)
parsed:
**8:11**
